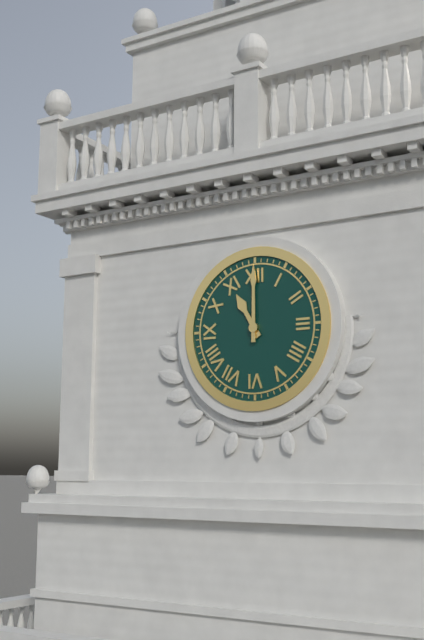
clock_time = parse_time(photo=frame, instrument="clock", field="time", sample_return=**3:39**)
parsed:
**11:00**
